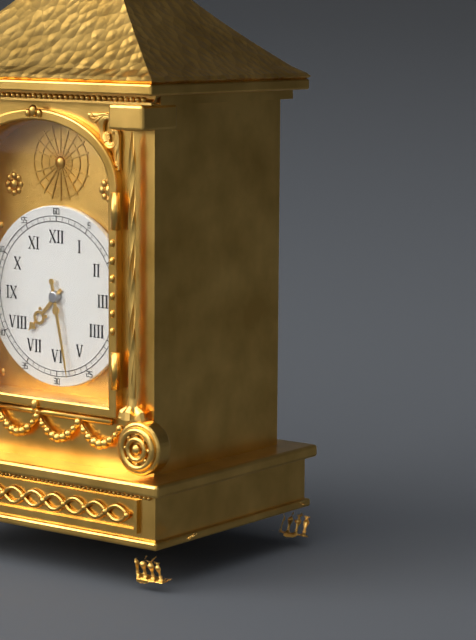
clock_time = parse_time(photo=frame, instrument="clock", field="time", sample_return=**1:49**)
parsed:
**7:28**
